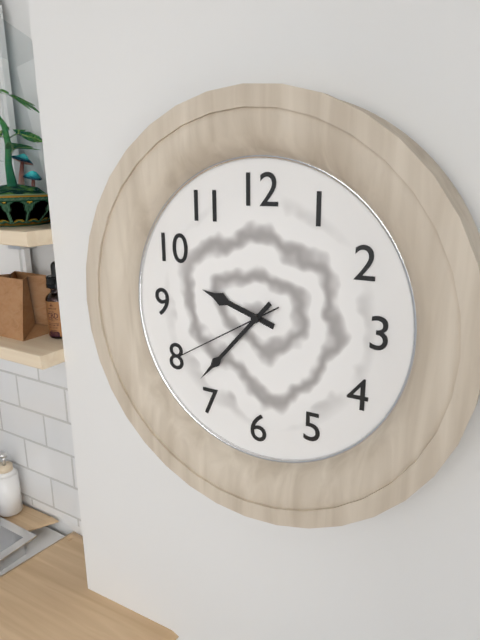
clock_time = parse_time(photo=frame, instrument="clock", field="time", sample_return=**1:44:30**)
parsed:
**9:37:40**
